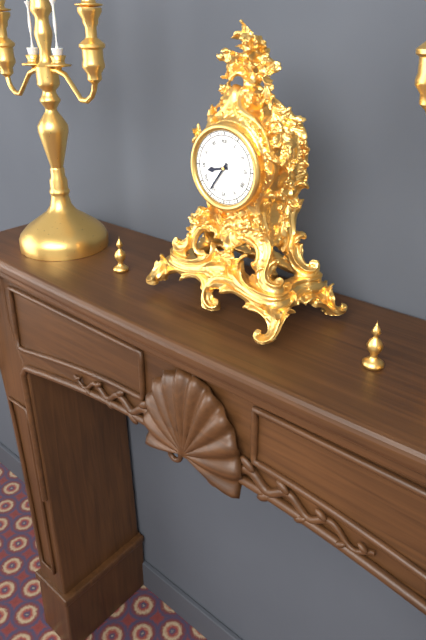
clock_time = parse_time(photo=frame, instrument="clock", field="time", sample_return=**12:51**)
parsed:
**8:36**
